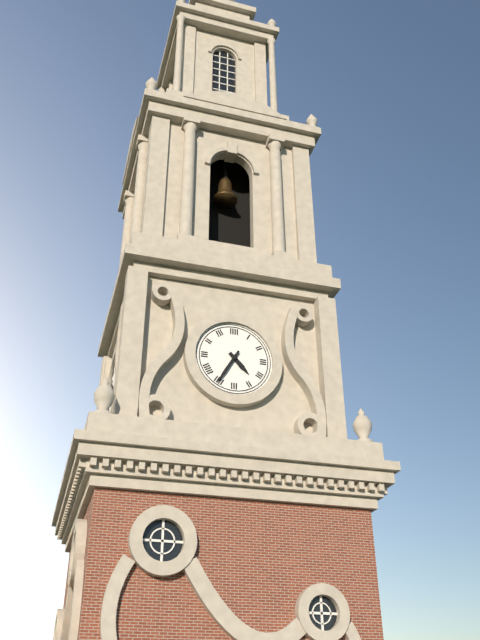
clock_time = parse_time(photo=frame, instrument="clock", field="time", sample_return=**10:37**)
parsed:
**4:35**
